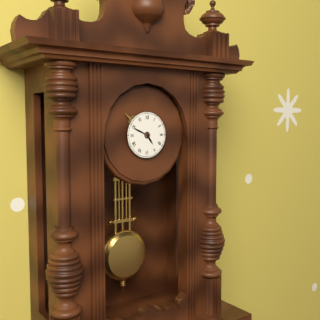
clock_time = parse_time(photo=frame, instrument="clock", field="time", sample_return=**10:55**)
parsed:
**4:49**
